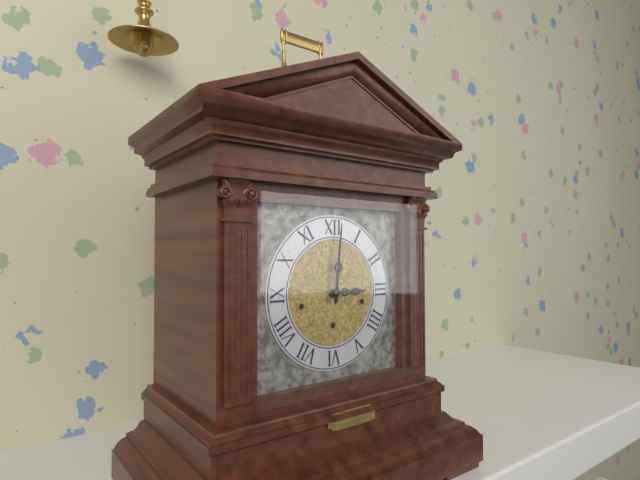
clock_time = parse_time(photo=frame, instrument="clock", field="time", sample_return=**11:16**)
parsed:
**3:01**
